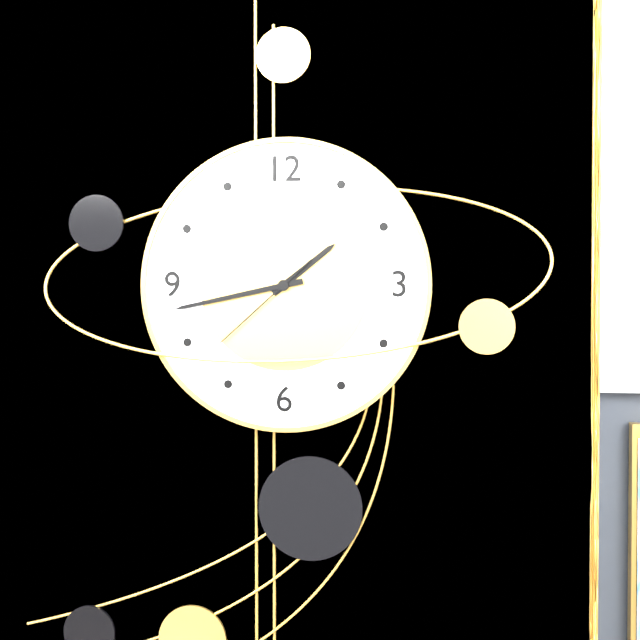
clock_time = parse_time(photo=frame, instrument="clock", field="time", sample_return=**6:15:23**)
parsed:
**1:43:38**
